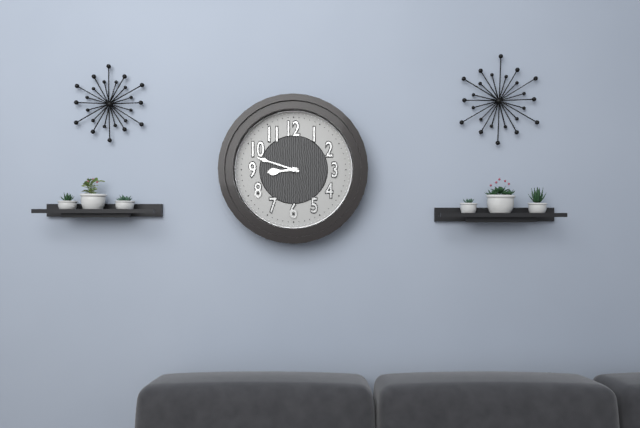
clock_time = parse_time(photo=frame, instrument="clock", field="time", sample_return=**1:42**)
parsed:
**8:48**
